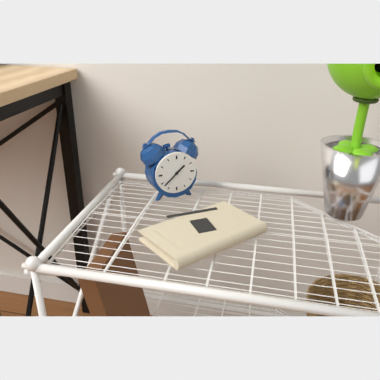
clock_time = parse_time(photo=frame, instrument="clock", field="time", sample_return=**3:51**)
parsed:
**1:38**
